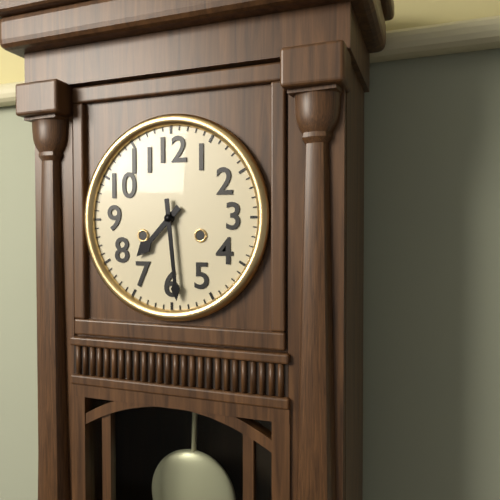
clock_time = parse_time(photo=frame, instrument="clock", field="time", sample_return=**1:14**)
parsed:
**7:29**
